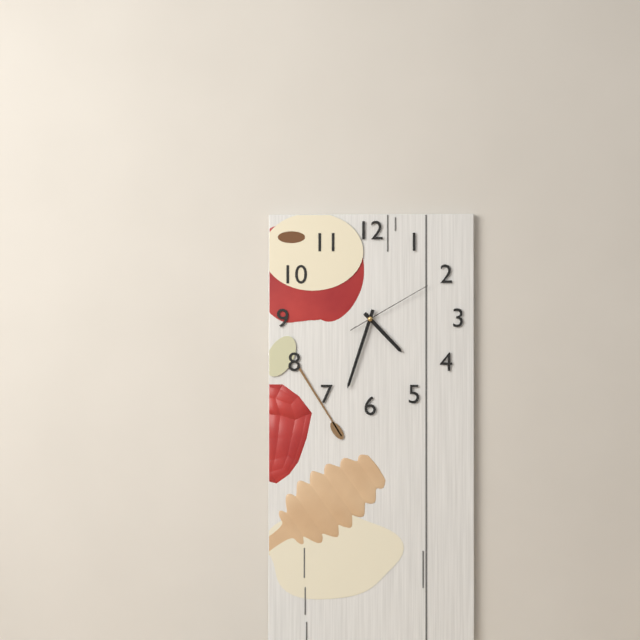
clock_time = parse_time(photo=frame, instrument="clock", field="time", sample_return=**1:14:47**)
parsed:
**4:33:10**
